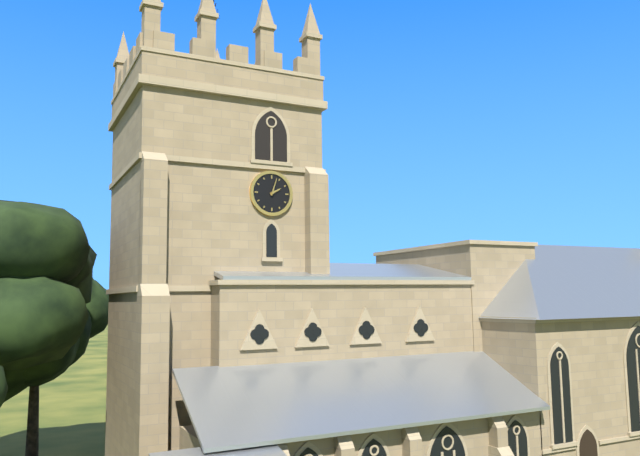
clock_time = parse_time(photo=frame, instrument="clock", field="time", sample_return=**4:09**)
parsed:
**2:03**
